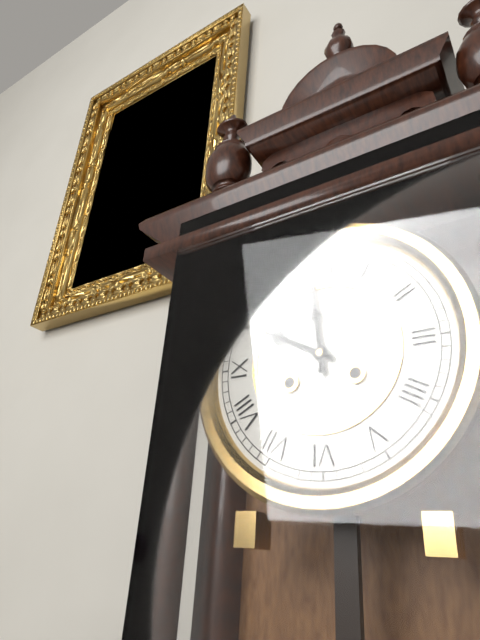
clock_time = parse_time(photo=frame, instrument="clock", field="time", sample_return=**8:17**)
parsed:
**9:59**
